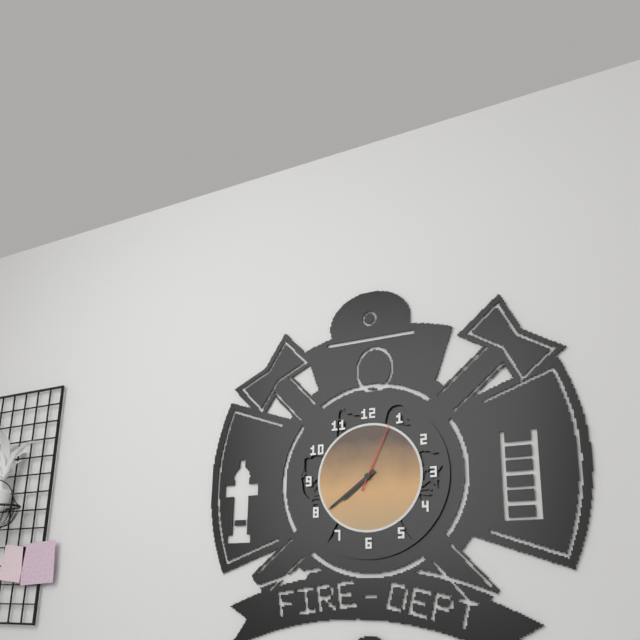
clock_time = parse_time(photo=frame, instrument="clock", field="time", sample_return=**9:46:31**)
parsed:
**7:39:04**
